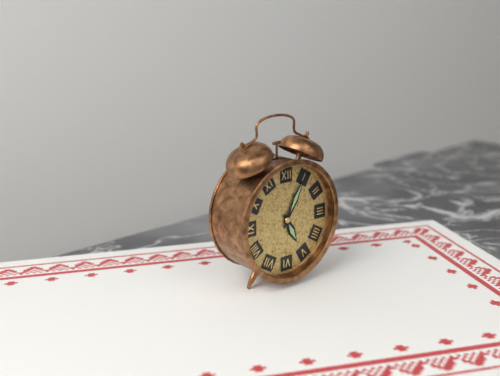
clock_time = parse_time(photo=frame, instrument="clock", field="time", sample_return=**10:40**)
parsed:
**5:05**
